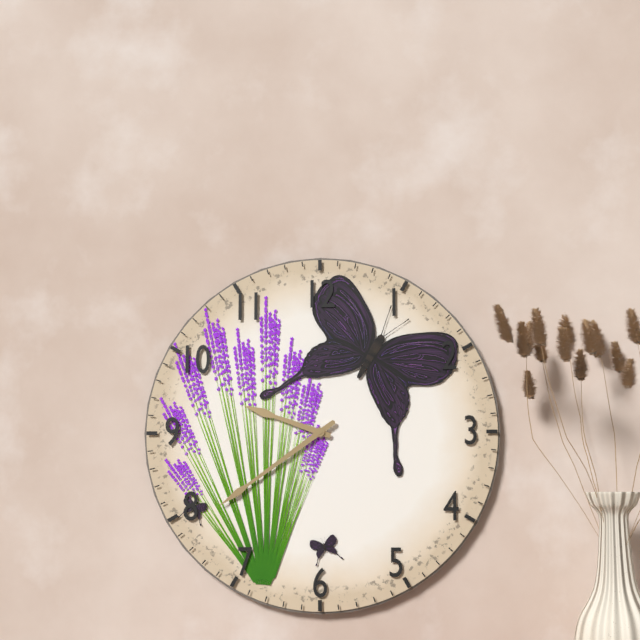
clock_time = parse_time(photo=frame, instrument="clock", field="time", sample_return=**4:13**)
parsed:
**9:39**
